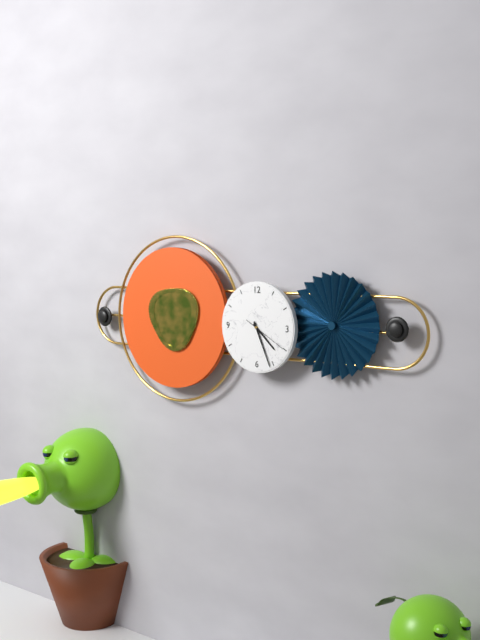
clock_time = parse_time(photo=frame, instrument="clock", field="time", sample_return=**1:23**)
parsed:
**4:26**
